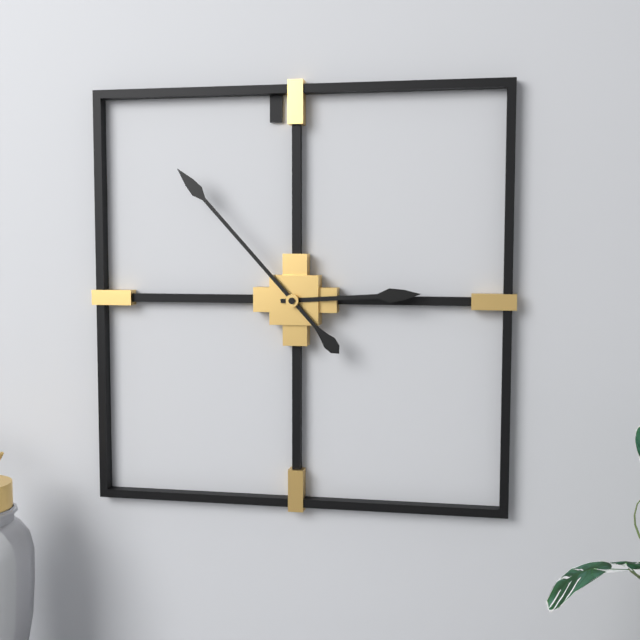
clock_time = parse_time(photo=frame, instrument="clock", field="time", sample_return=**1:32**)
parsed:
**2:53**
